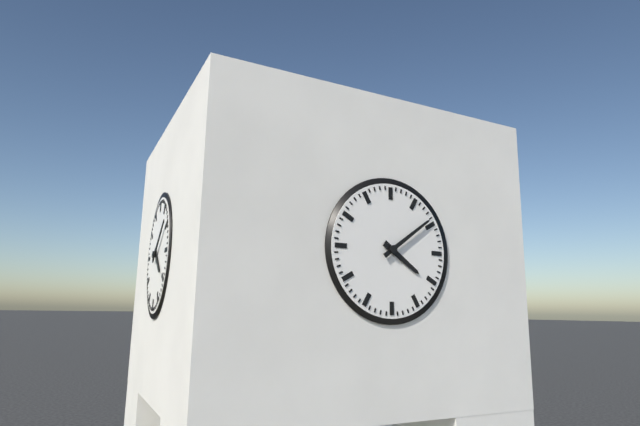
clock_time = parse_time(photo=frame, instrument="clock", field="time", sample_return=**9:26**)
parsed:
**4:09**
